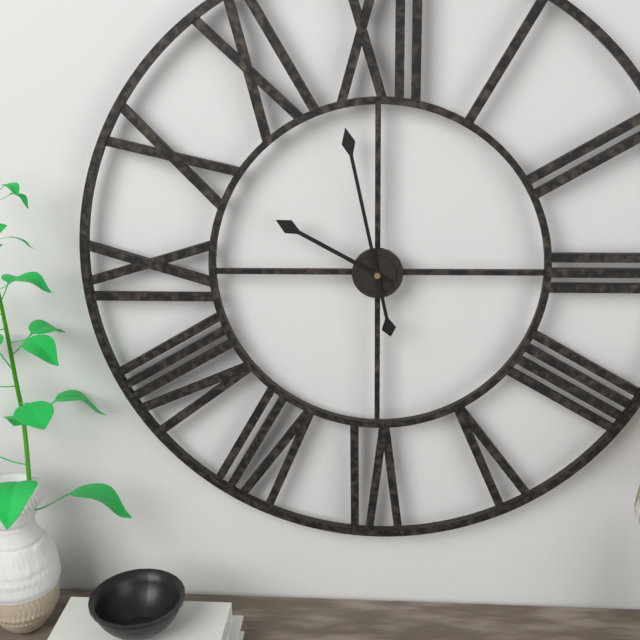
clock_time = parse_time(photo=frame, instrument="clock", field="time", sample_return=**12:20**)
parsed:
**9:58**
